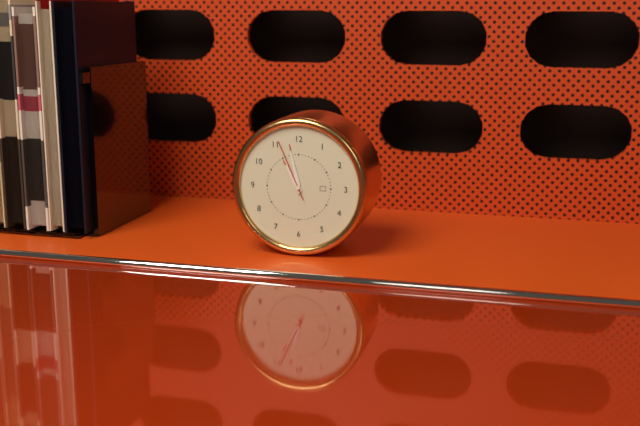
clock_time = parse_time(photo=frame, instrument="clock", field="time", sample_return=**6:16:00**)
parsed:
**10:58:56**
